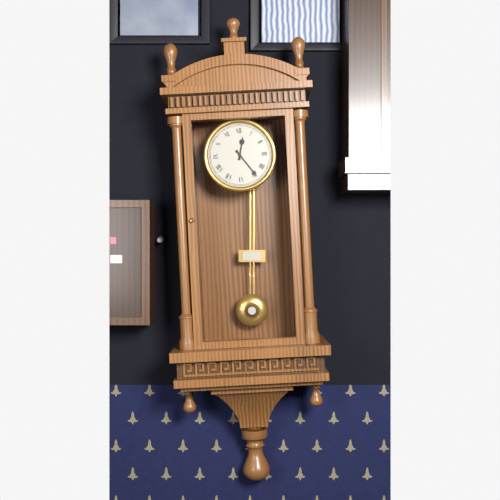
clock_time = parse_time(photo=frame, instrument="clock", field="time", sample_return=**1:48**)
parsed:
**12:24**
